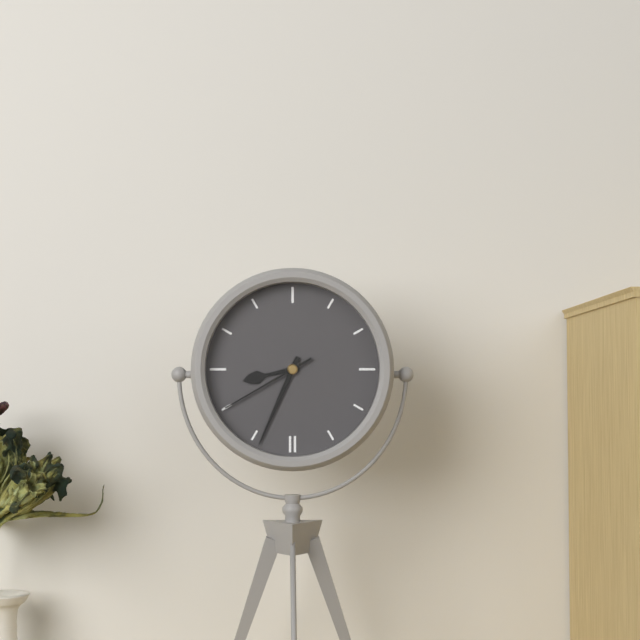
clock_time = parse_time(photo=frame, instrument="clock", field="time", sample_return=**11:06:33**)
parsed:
**8:34:40**
